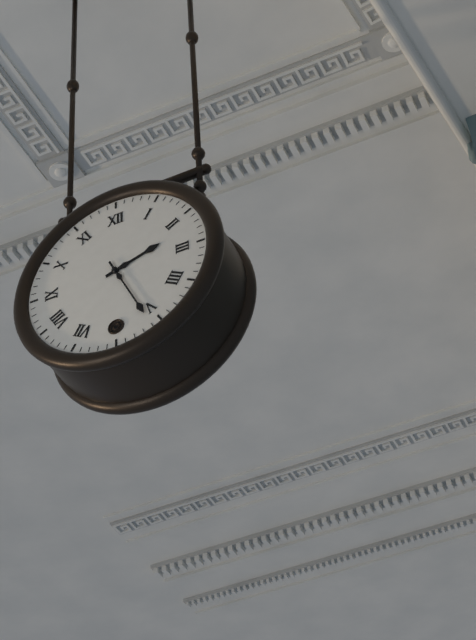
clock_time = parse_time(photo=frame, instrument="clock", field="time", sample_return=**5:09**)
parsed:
**2:26**
